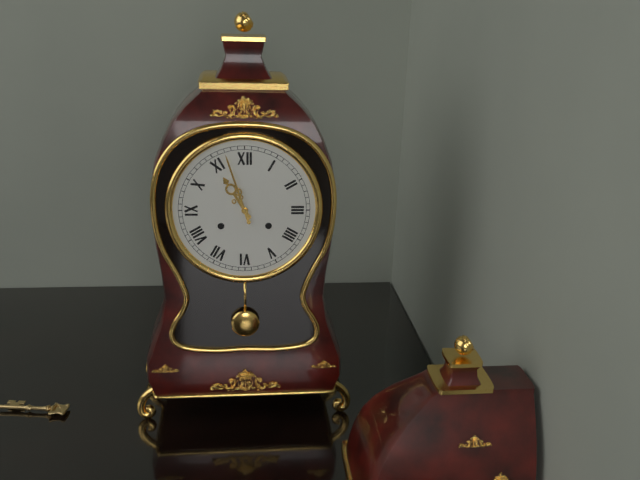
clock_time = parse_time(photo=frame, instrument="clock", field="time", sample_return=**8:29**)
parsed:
**10:57**
